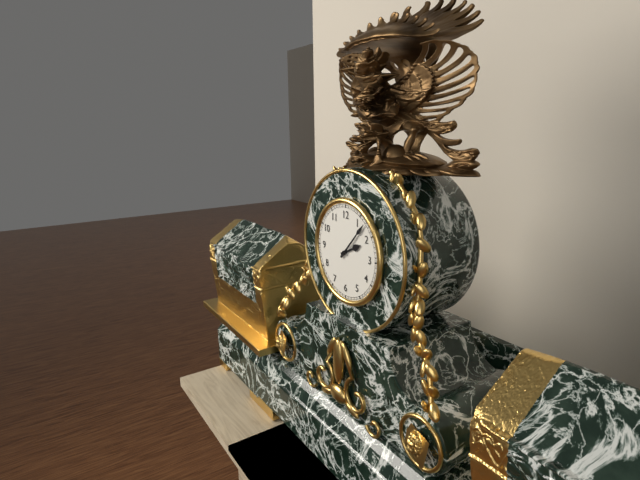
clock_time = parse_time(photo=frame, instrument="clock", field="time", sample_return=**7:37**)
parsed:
**2:07**
